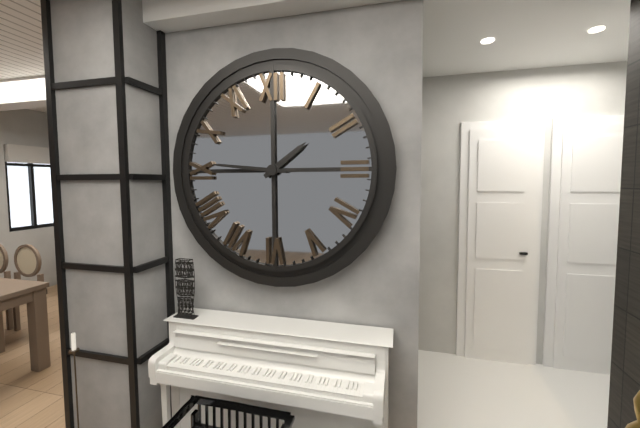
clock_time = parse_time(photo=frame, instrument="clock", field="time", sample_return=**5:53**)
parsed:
**1:46**
